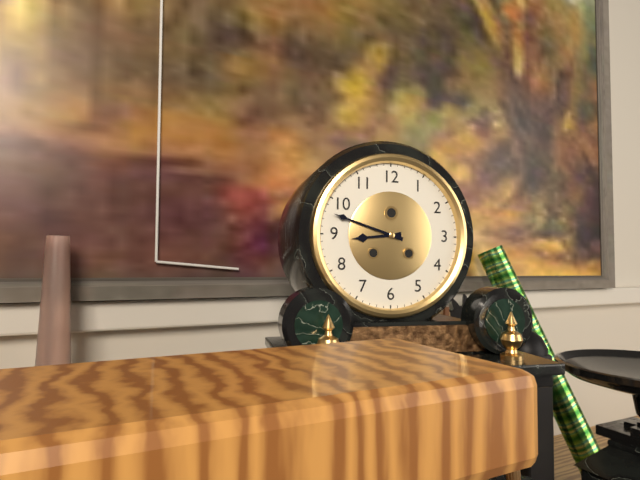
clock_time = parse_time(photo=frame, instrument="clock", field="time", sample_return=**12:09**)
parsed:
**8:48**
